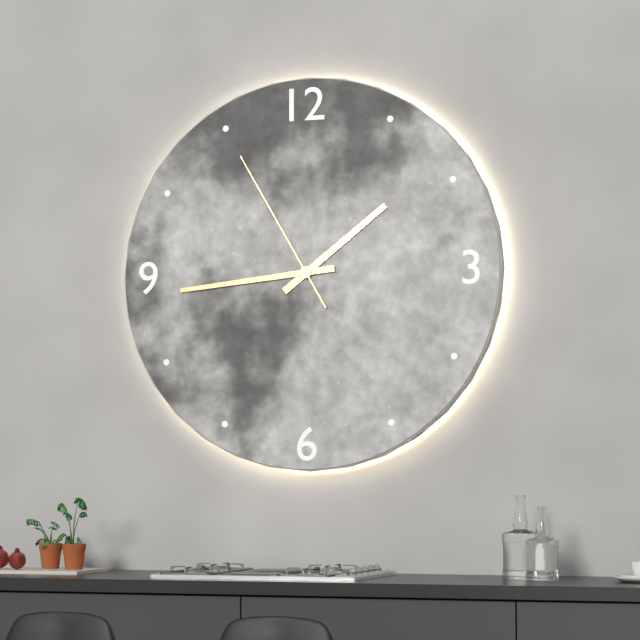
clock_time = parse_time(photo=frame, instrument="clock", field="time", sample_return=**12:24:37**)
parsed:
**1:44:55**
